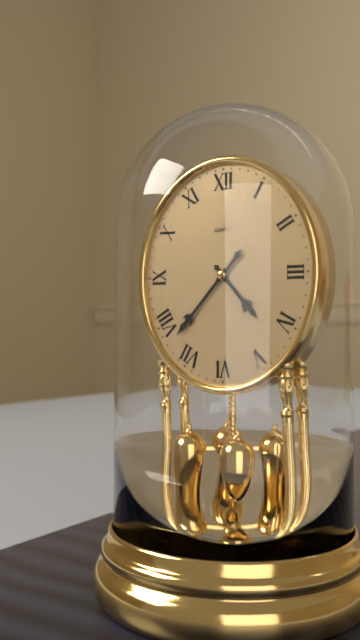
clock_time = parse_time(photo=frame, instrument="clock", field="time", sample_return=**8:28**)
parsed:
**4:37**
